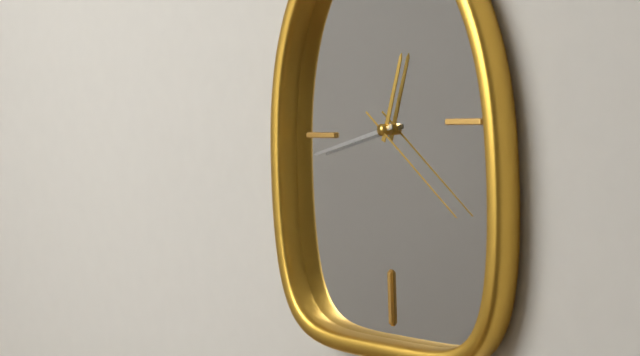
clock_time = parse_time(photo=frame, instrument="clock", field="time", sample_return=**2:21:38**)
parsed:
**12:43:21**
